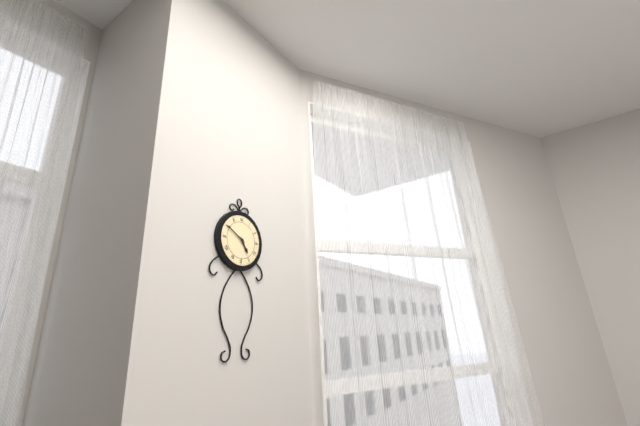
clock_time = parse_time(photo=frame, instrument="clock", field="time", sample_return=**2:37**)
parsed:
**4:50**
